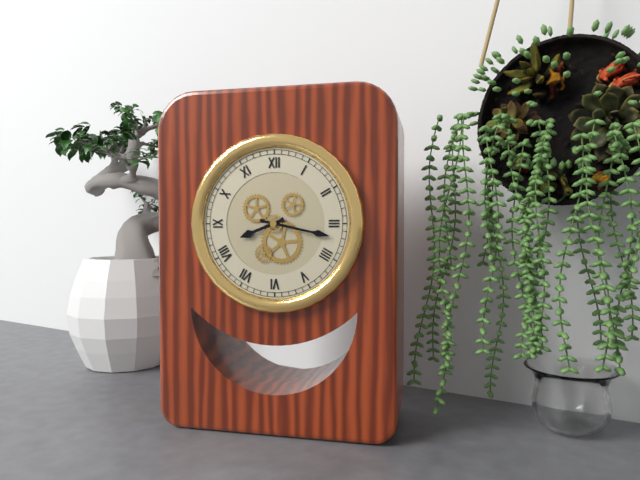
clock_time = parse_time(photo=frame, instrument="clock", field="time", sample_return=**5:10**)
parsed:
**8:17**
